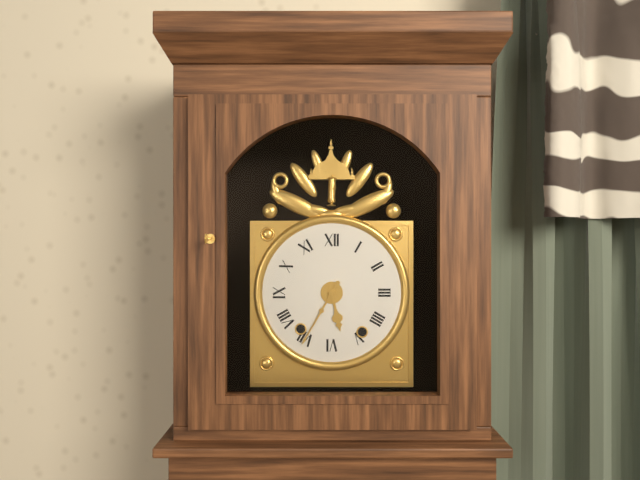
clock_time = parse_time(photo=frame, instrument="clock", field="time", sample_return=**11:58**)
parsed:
**5:35**
